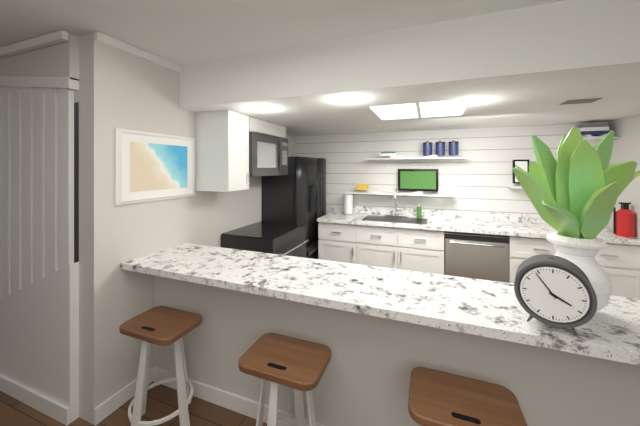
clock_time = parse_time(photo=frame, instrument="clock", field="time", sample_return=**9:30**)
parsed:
**3:54**
